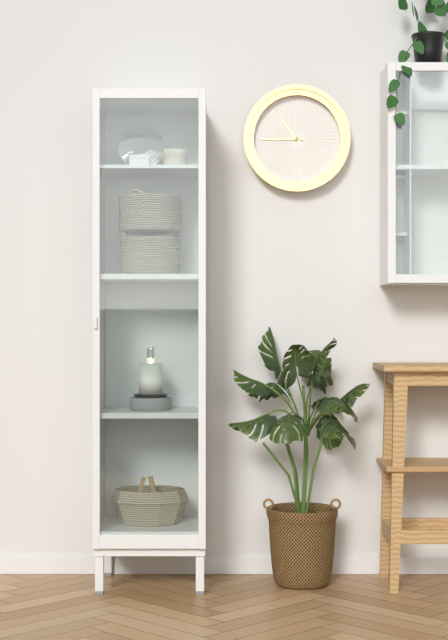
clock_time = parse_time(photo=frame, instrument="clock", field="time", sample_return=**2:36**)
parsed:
**10:45**
